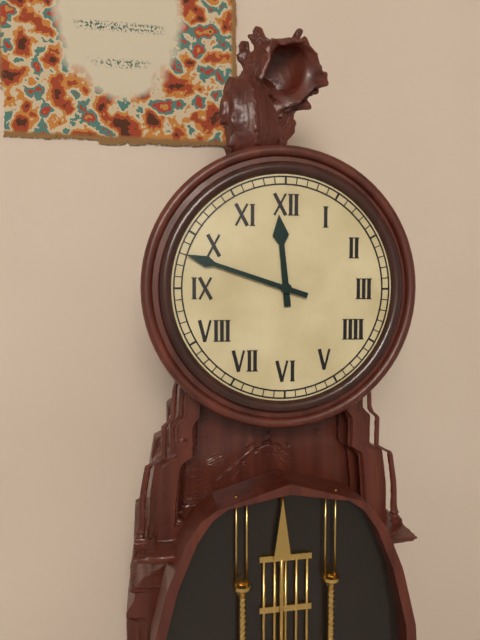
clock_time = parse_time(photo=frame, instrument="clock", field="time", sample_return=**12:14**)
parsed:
**11:48**
